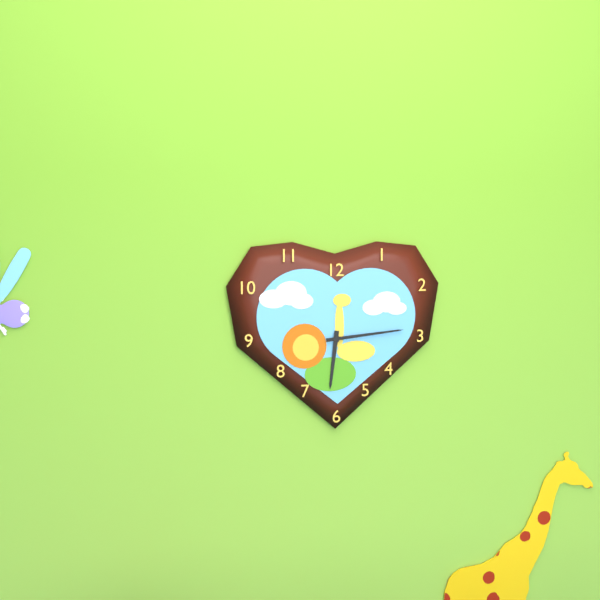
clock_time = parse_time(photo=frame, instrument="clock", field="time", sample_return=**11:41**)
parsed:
**6:14**
